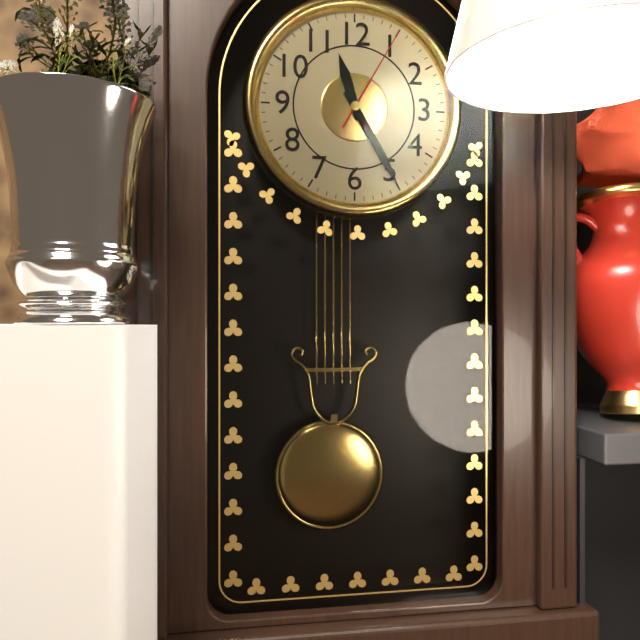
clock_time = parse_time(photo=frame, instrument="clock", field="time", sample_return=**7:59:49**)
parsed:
**11:25:05**
